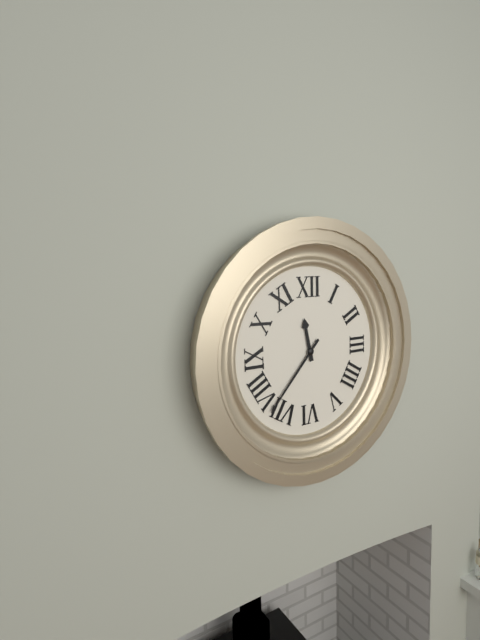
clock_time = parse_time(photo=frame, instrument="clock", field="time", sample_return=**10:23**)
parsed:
**11:37**
